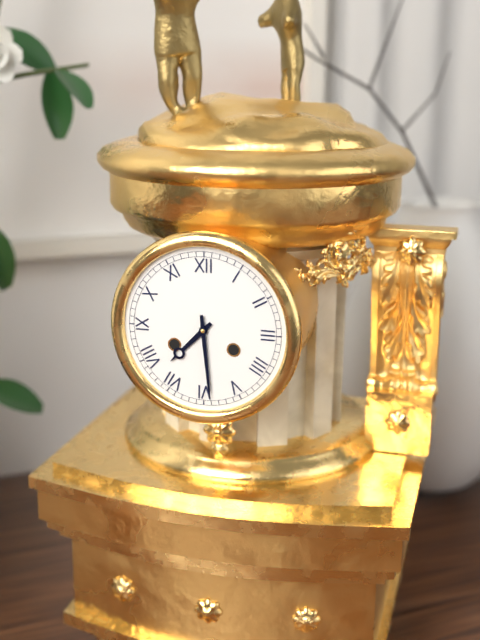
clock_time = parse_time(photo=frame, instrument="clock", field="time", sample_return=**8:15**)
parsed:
**7:29**
